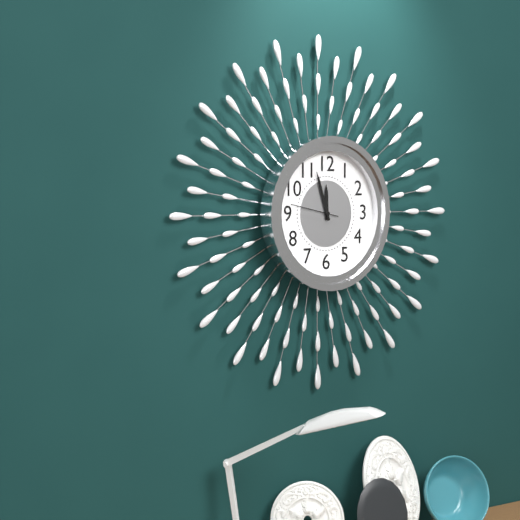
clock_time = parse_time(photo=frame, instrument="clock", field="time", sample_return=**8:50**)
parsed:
**11:57**
